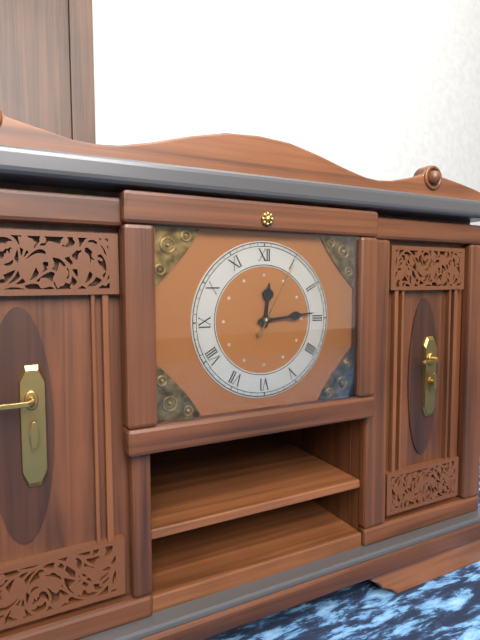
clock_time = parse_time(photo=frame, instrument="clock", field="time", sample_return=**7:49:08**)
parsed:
**12:14:05**
